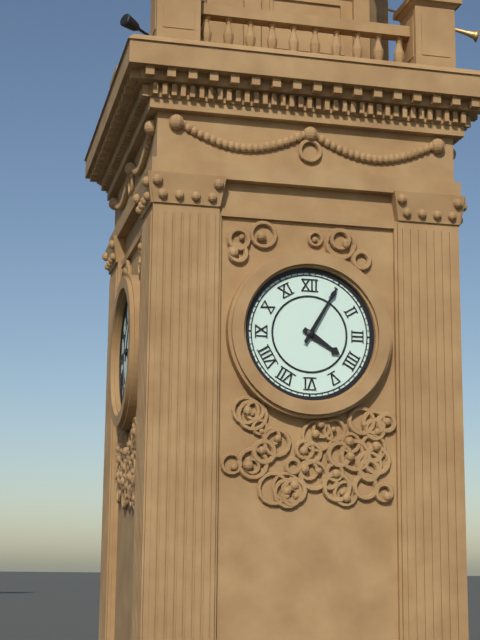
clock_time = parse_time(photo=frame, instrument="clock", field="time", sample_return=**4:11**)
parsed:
**4:05**
